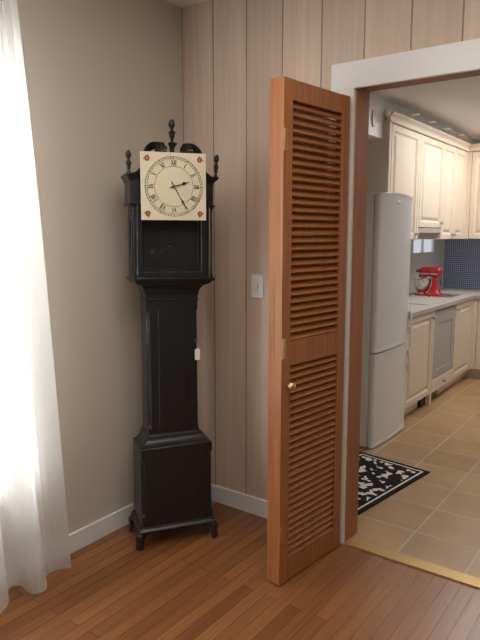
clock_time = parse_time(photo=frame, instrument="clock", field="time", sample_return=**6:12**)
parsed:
**2:25**
